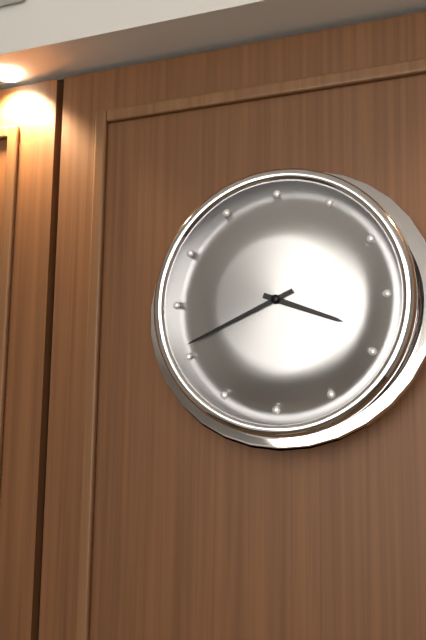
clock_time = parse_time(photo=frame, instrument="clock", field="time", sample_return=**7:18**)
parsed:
**3:41**
